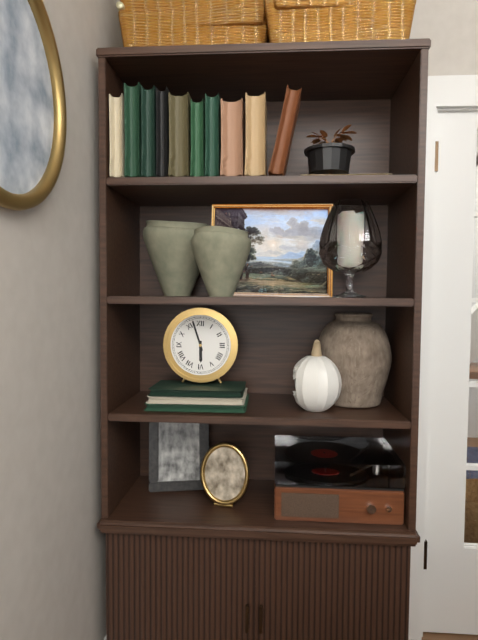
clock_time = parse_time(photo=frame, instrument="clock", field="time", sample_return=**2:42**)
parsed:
**5:57**
